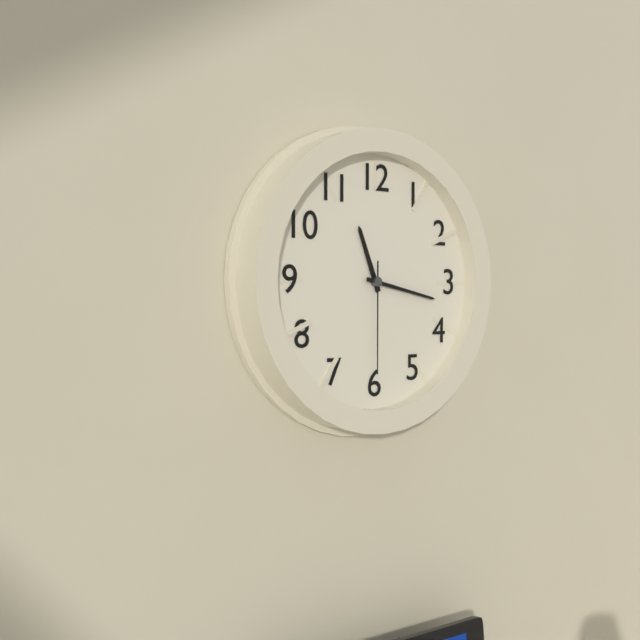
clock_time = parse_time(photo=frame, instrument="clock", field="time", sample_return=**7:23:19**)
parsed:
**11:17:30**
